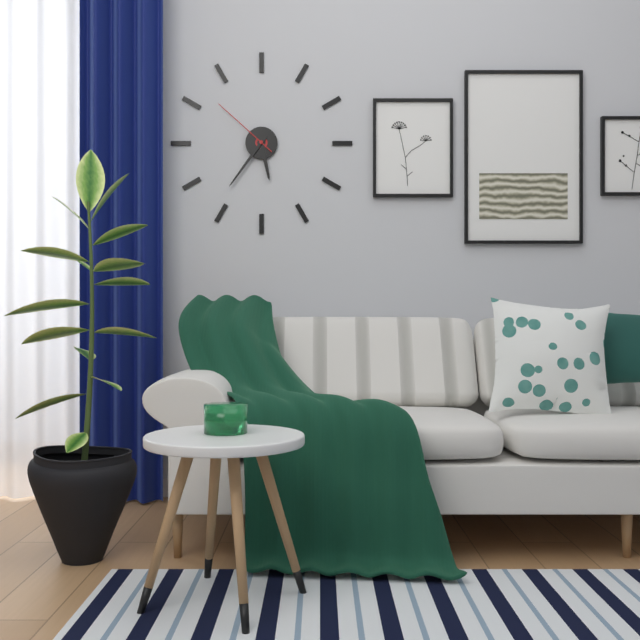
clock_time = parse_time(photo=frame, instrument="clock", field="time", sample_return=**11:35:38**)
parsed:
**5:36:52**
